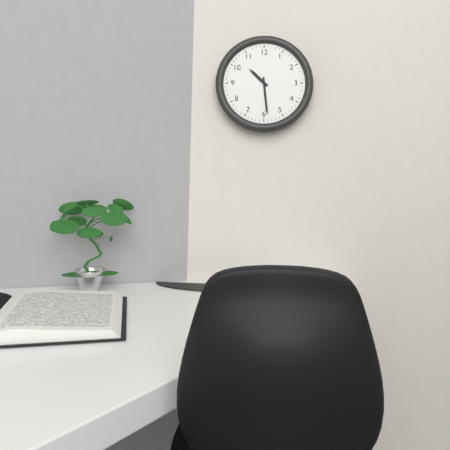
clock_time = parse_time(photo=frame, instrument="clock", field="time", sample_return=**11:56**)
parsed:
**10:29**
